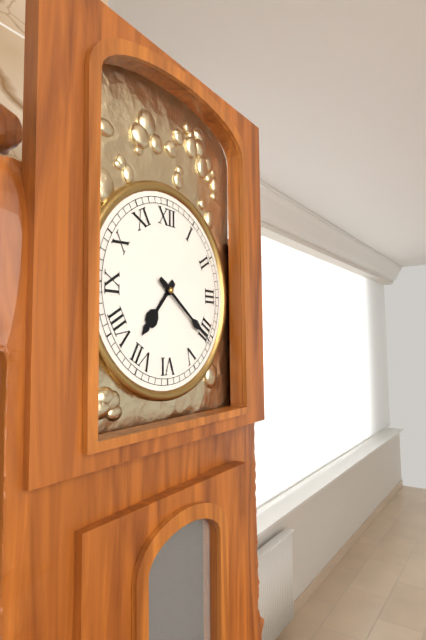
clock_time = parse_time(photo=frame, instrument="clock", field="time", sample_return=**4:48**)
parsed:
**7:21**
